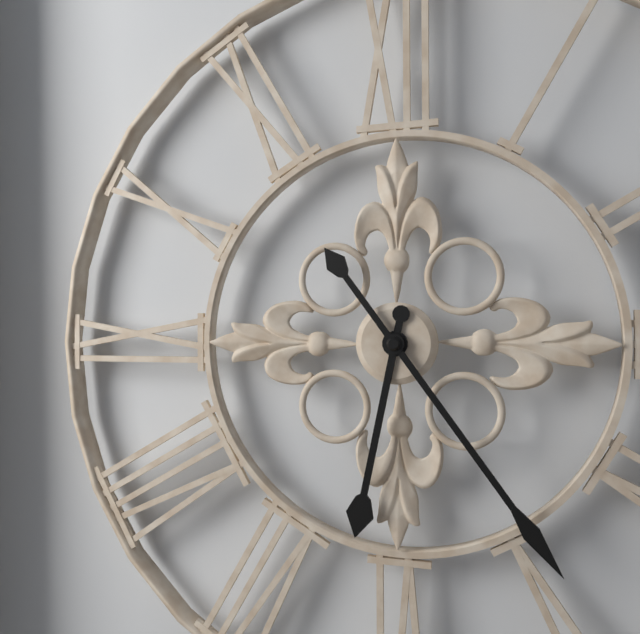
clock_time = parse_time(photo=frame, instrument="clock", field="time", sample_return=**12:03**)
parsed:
**6:24**
